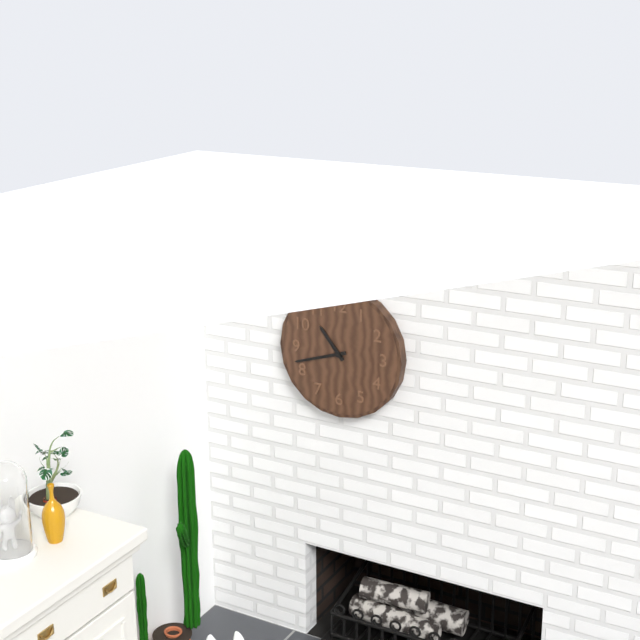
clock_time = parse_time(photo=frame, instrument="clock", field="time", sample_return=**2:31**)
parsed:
**10:42**
